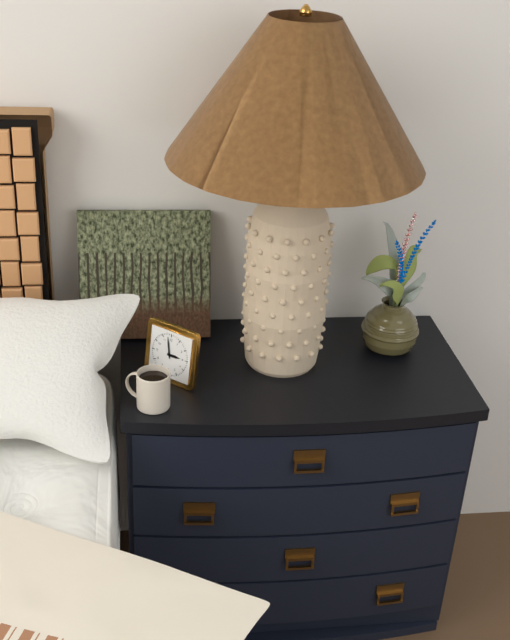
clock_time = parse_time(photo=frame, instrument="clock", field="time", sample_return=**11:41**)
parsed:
**2:58**
